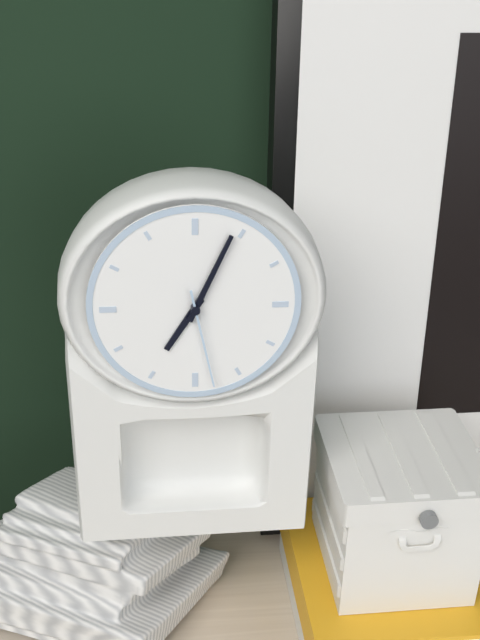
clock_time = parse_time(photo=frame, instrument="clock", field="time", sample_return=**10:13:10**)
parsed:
**7:04:28**
